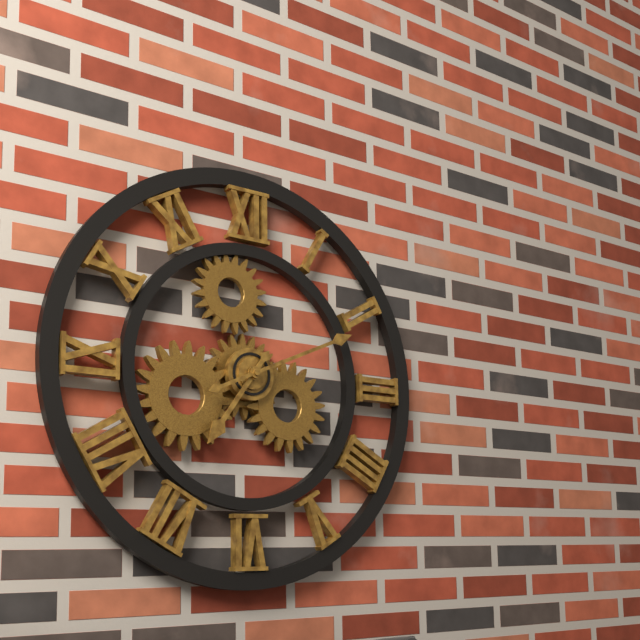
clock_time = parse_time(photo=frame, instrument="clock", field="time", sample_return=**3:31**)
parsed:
**7:11**
